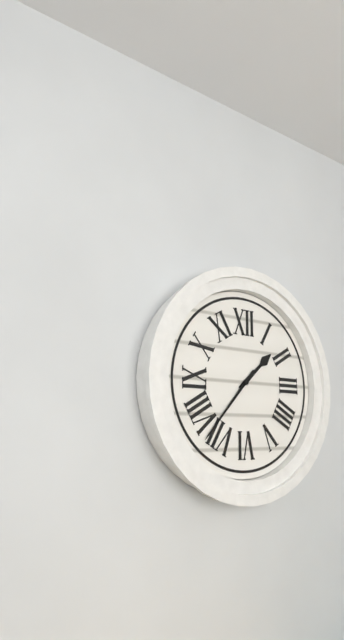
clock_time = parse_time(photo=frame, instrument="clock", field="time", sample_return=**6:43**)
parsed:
**1:37**
